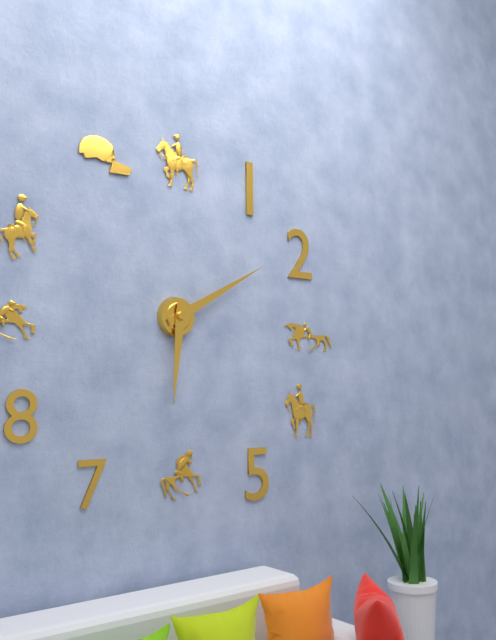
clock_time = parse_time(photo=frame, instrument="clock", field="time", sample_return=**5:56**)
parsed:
**6:10**
